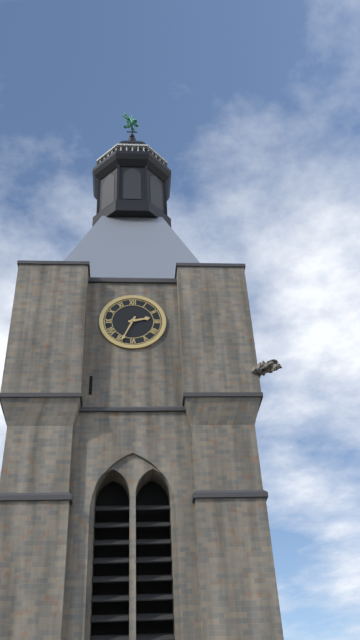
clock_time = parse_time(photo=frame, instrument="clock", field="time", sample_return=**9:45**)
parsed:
**2:34**
